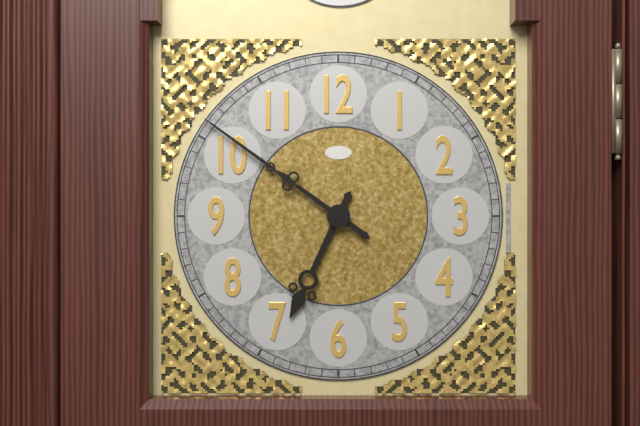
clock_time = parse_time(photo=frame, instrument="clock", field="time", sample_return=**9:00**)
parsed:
**6:51**
